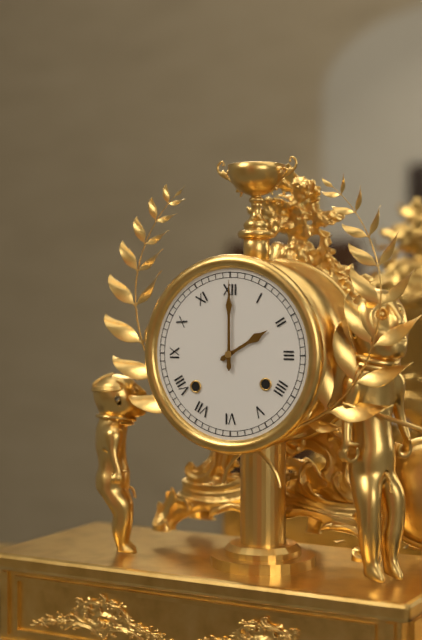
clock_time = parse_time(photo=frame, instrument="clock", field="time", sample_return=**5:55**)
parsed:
**2:00**
